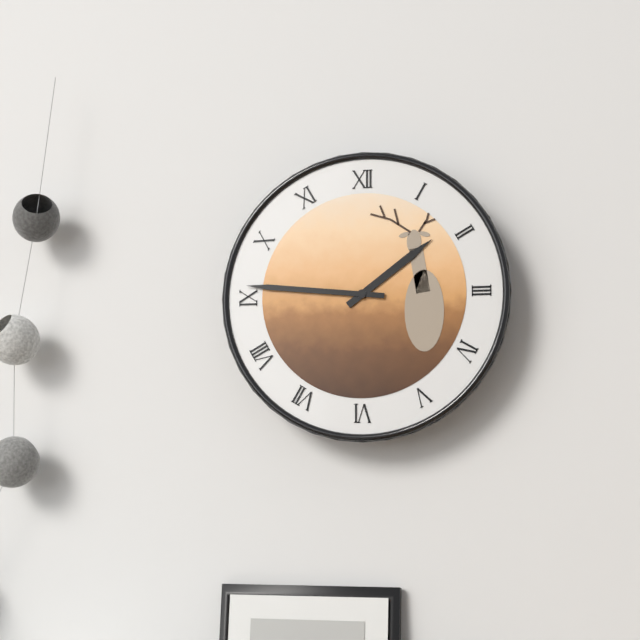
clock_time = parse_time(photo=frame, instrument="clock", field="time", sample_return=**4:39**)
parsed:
**1:46**
